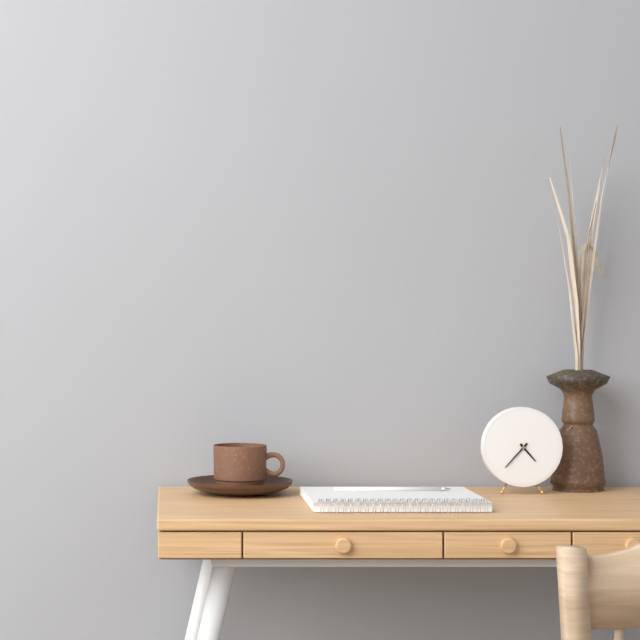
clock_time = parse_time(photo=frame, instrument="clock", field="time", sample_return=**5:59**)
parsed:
**4:37**
